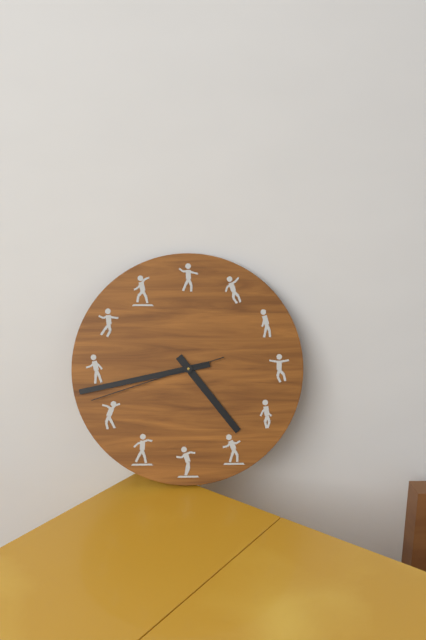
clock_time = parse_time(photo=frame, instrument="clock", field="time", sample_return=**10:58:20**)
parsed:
**4:43:42**
